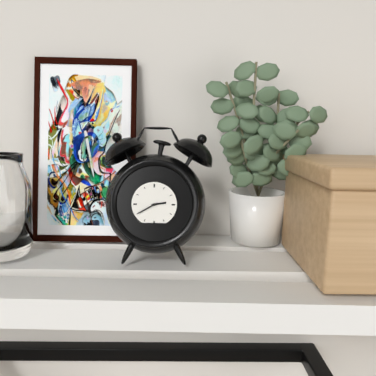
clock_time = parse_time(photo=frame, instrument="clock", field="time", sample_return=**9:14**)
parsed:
**2:40**
